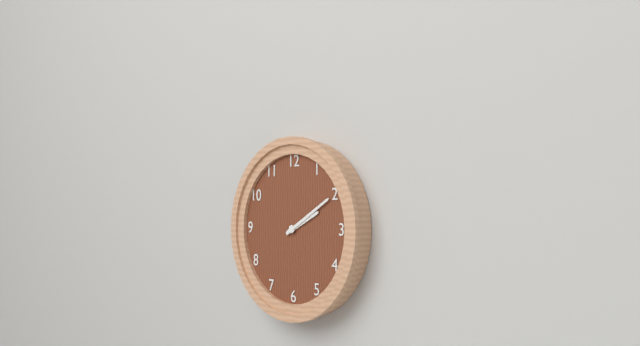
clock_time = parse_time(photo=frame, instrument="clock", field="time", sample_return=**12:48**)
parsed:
**2:10**
